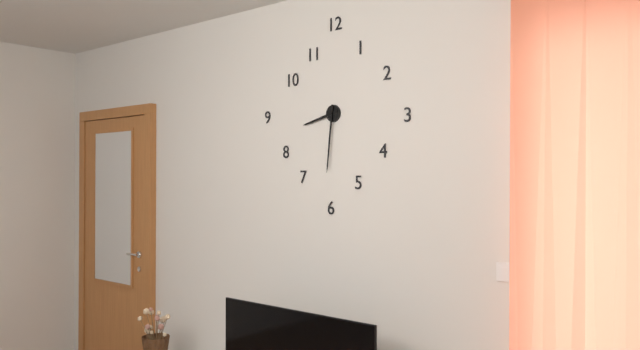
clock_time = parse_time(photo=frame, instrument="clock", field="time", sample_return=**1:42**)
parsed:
**8:31**
